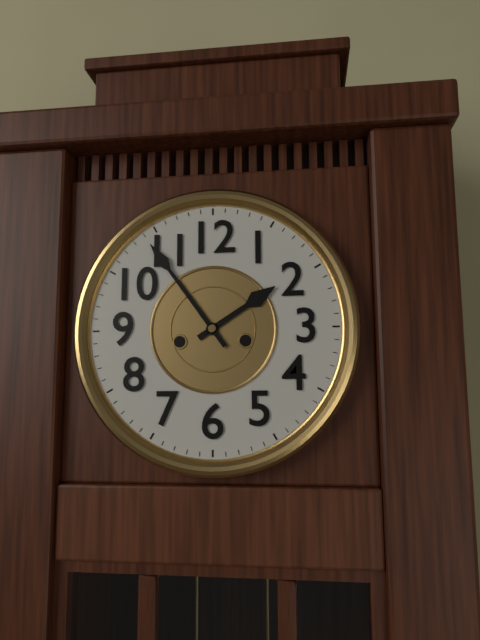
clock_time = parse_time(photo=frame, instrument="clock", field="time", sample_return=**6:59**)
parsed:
**1:54**
